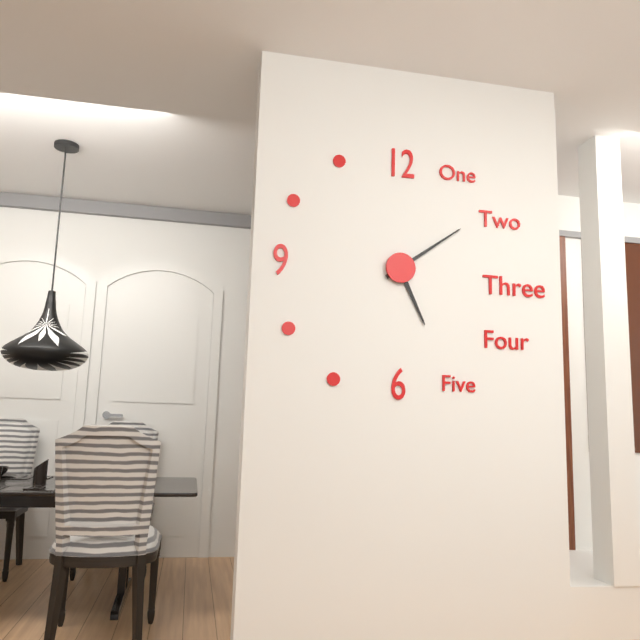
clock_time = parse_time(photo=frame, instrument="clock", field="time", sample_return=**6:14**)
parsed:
**5:09**
